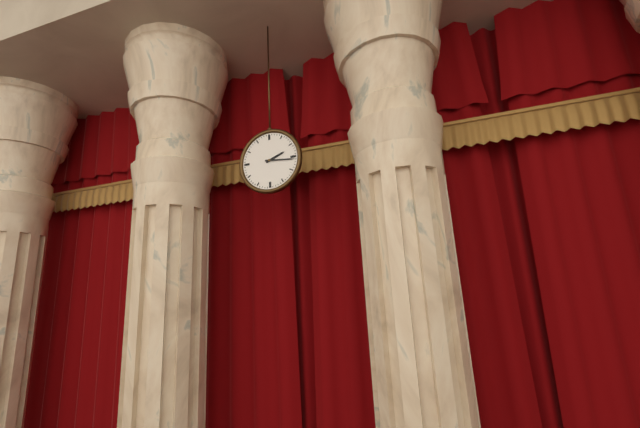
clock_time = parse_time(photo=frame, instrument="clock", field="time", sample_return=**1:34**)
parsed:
**2:16**
